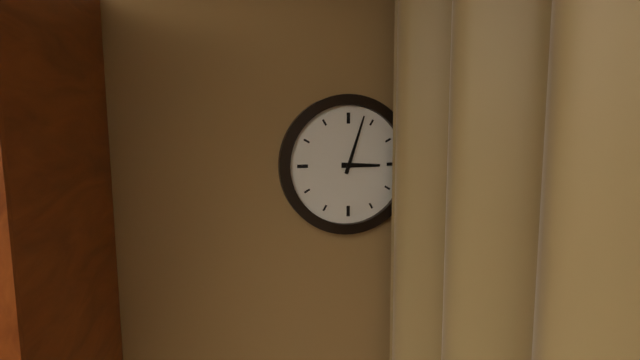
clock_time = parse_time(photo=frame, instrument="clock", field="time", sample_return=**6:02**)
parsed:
**3:03**
